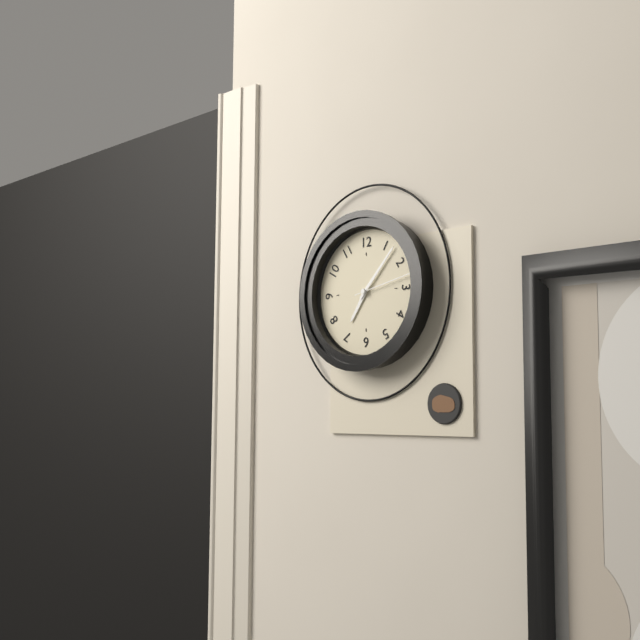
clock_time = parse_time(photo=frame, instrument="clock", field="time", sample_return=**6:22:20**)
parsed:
**7:07:13**
